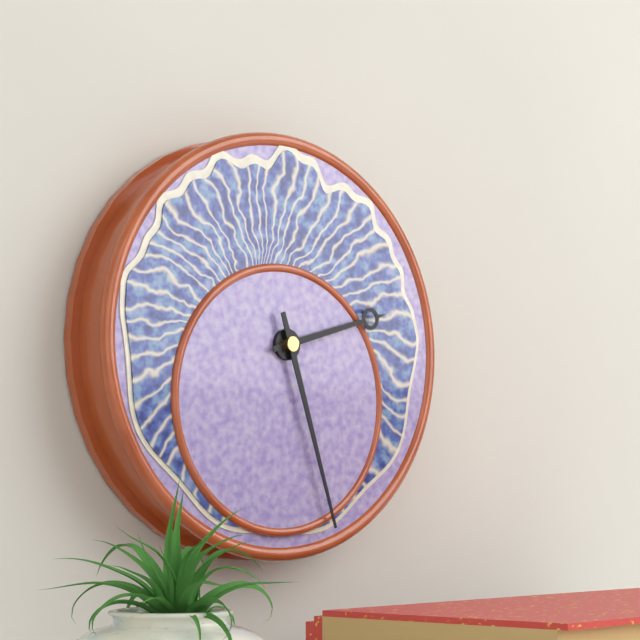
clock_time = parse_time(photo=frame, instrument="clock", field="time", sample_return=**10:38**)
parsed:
**2:27**
